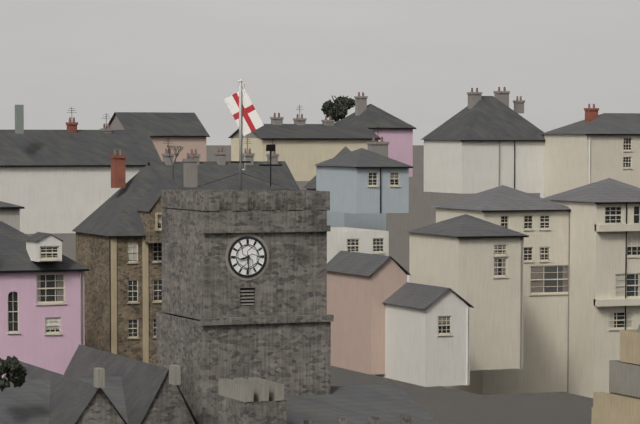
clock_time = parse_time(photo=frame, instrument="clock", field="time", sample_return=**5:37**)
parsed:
**8:30**
